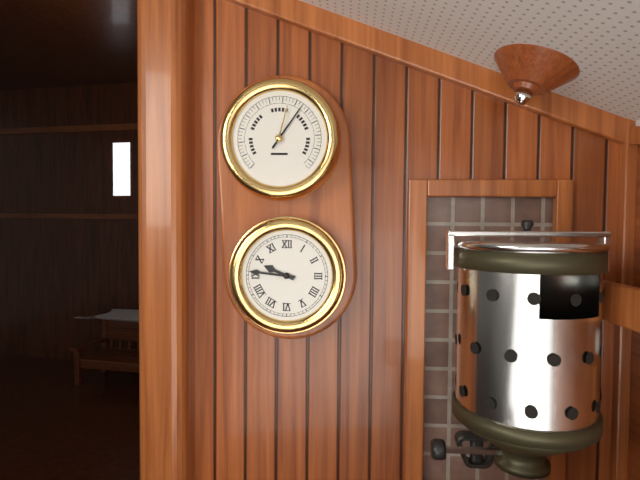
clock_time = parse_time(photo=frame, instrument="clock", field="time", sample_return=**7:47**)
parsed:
**9:46**
